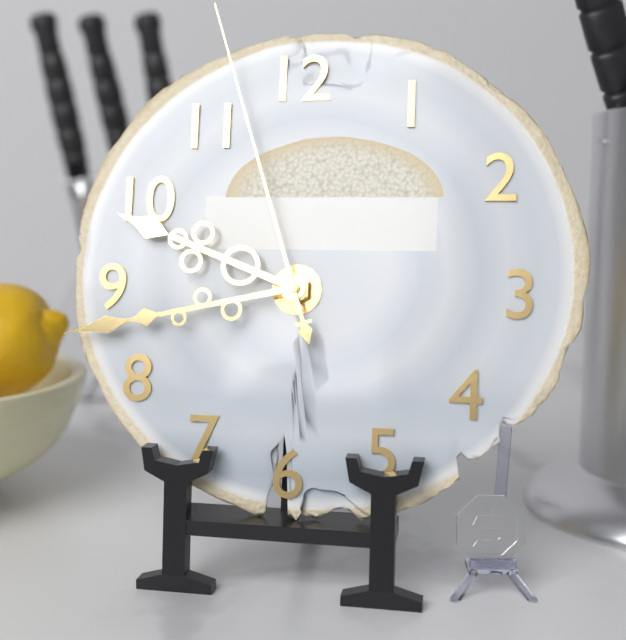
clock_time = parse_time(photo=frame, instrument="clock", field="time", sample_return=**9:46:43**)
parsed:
**9:43:57**
